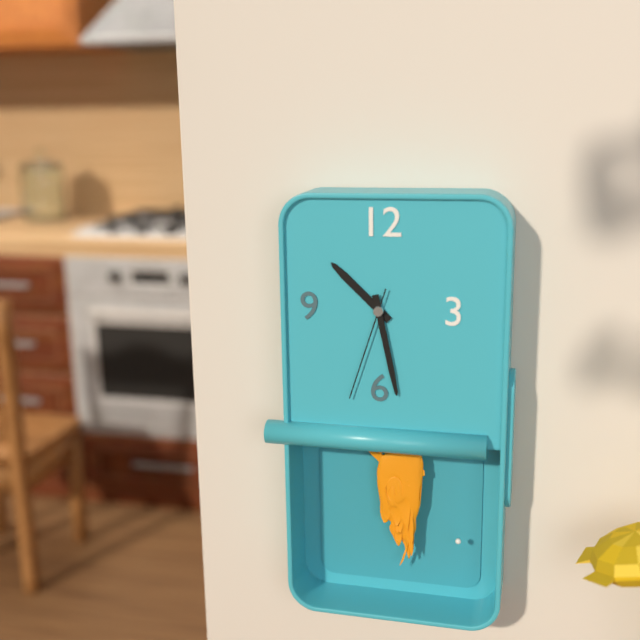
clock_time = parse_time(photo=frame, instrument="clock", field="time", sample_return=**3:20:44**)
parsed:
**10:28:33**
